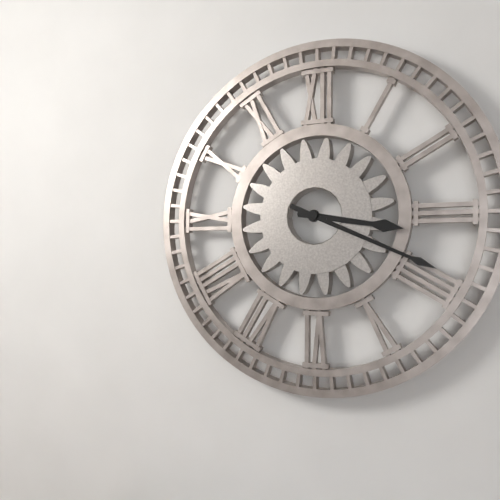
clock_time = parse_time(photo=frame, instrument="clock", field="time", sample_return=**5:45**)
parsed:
**3:19**
